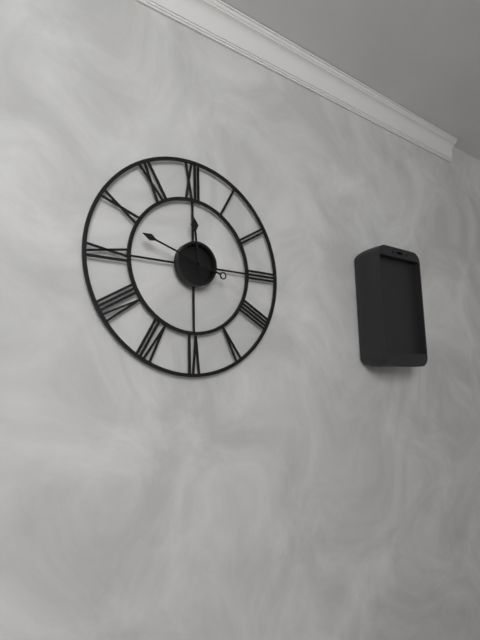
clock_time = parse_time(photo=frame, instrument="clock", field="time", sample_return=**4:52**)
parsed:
**11:48**
